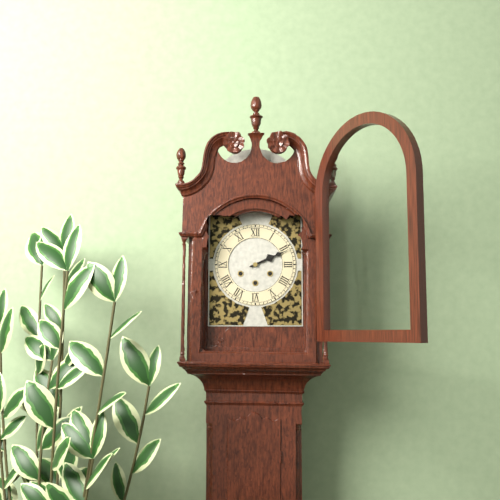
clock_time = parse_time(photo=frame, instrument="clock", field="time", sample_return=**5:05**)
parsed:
**2:11**
